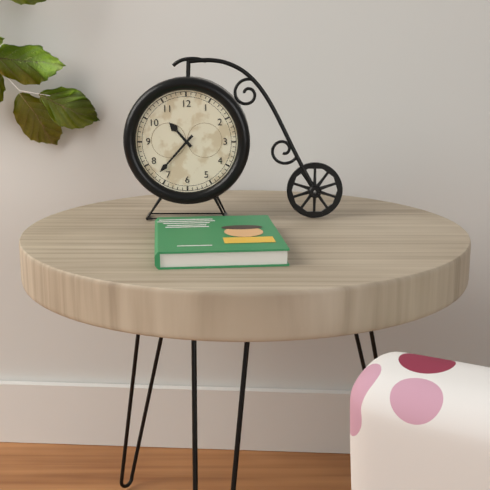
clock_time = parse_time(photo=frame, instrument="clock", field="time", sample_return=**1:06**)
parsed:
**10:37**
